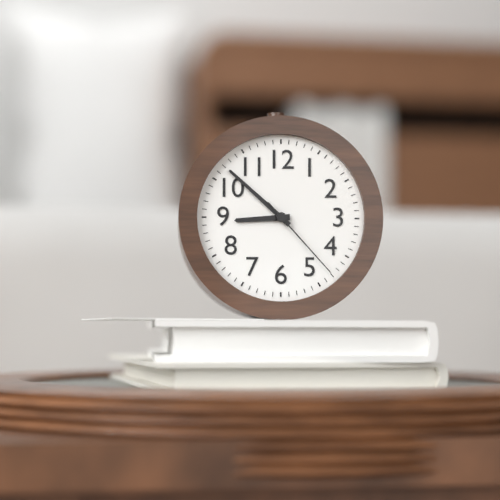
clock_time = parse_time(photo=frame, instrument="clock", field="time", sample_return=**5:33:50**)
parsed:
**8:52:23**
